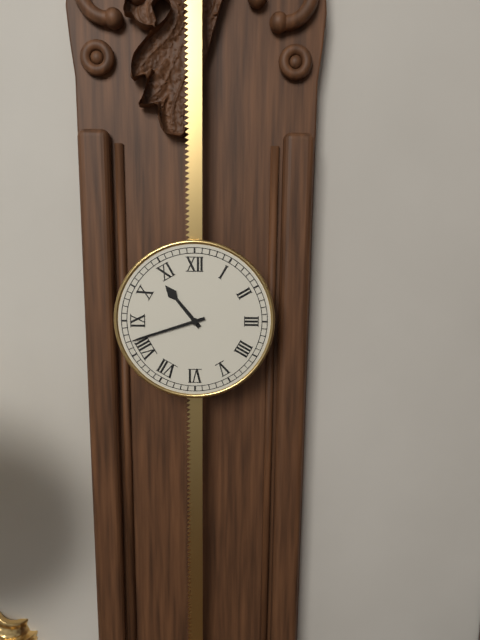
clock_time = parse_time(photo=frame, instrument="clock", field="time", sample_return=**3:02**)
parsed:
**10:42**
